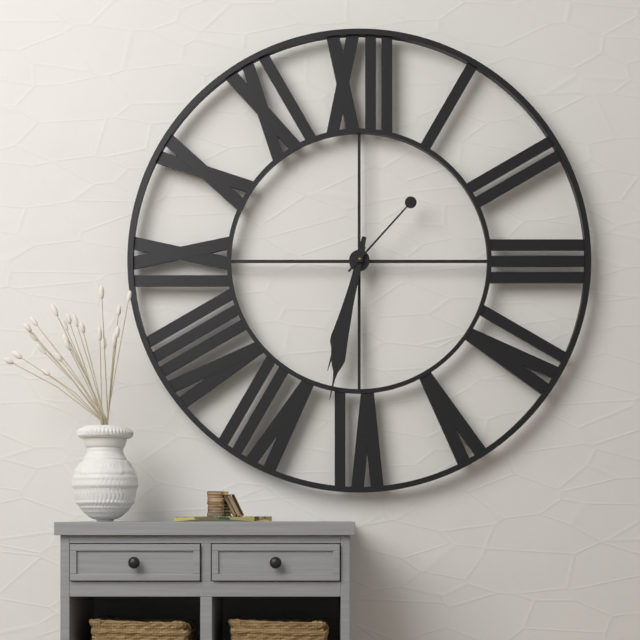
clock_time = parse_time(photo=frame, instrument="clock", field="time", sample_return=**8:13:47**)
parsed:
**6:32:07**
